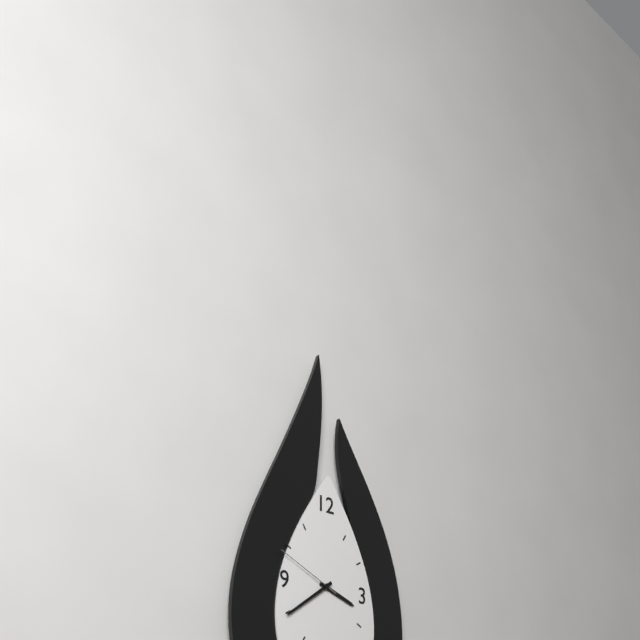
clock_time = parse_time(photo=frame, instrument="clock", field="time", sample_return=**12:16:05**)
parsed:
**3:39:49**
